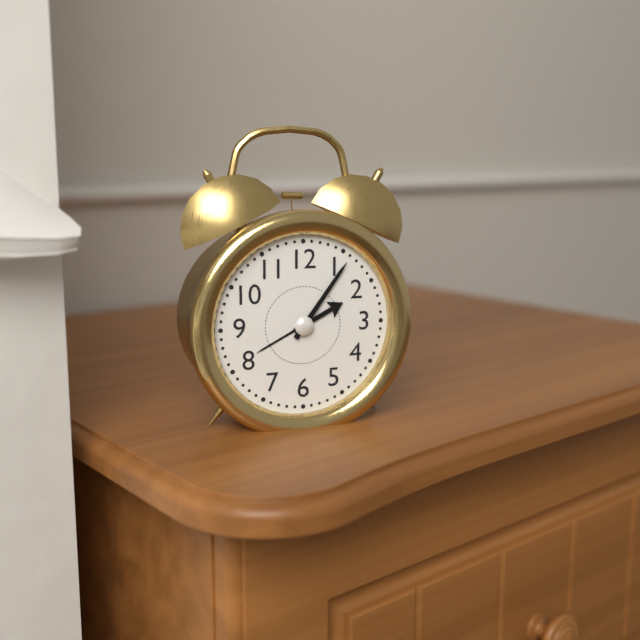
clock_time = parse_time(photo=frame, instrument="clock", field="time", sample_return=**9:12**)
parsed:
**2:06**
